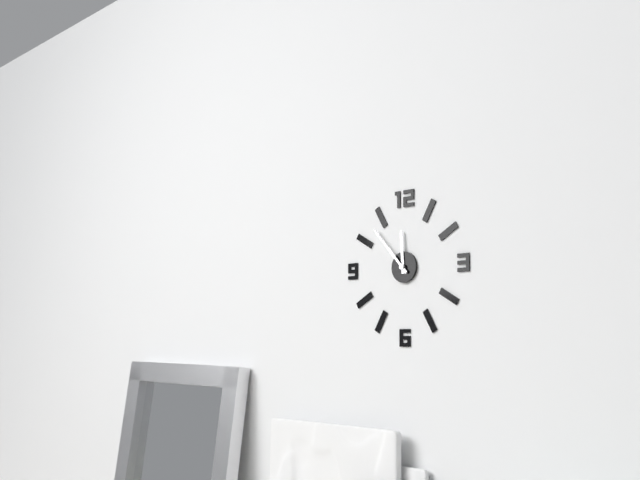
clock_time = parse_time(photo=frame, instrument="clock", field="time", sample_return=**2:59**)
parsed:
**11:53**
